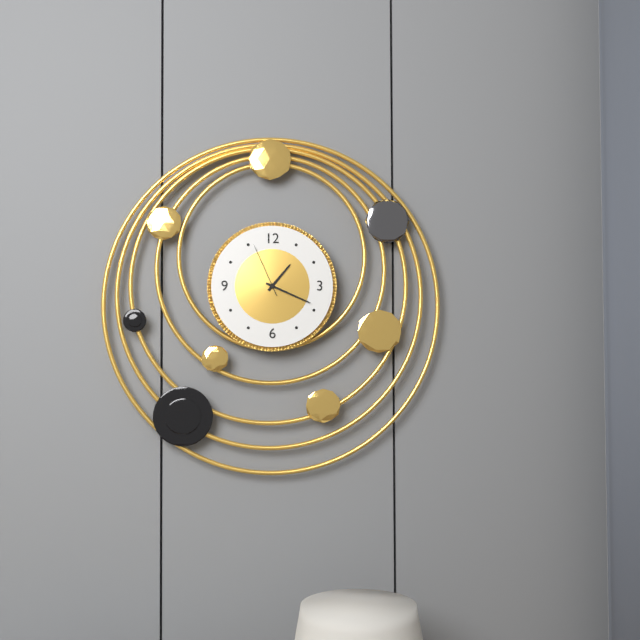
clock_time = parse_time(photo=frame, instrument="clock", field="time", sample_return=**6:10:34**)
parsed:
**1:19:56**
